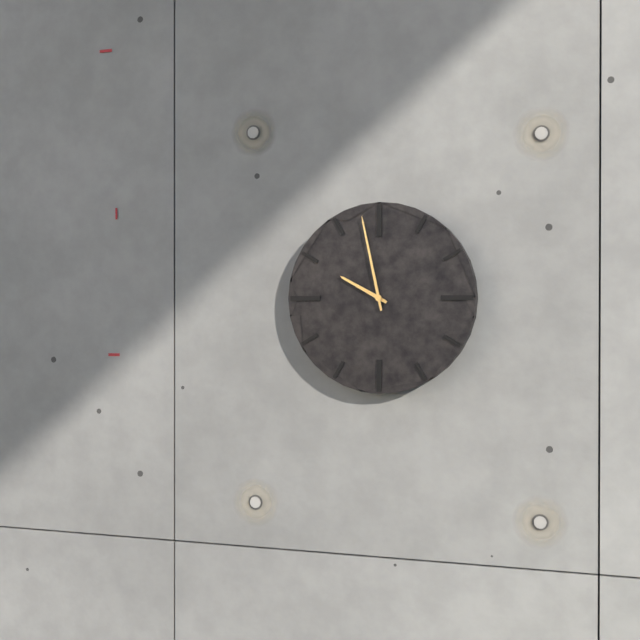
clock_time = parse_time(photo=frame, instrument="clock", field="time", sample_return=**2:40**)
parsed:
**9:58**
